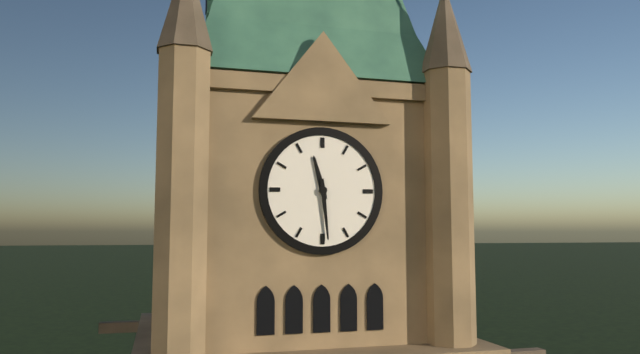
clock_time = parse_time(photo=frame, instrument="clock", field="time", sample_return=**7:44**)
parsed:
**11:29**
